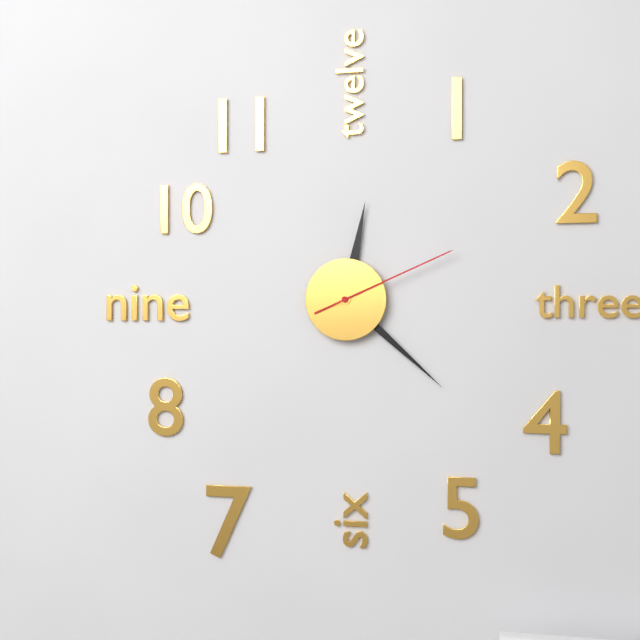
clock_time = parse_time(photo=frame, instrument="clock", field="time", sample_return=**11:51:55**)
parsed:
**12:22:11**
